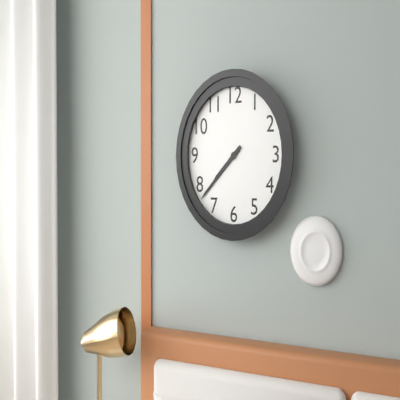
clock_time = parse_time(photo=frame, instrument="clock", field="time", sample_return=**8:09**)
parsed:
**7:38**
